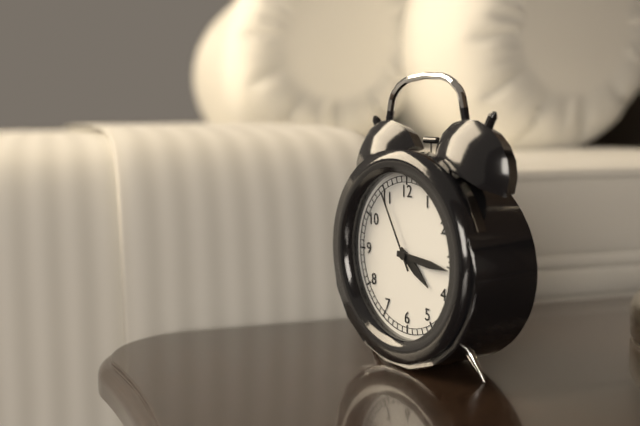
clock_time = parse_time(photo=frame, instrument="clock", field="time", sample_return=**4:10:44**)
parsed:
**4:16:55**
